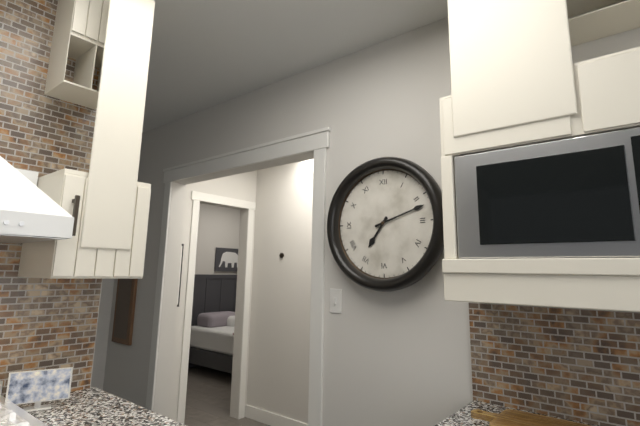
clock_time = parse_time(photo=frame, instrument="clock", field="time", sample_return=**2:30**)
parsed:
**7:12**
